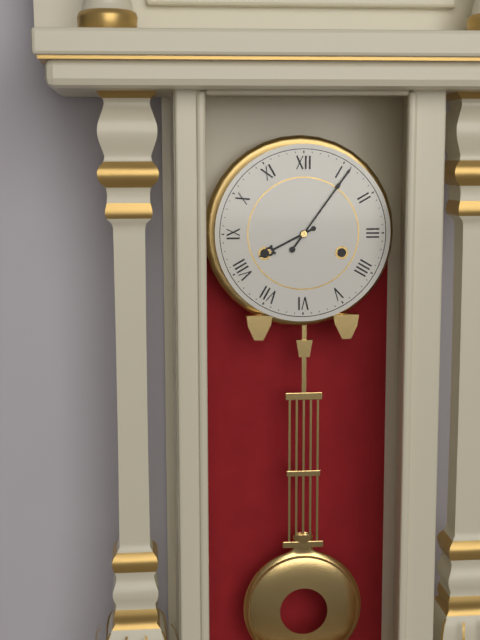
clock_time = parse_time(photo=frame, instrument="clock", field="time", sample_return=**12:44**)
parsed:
**8:06**
